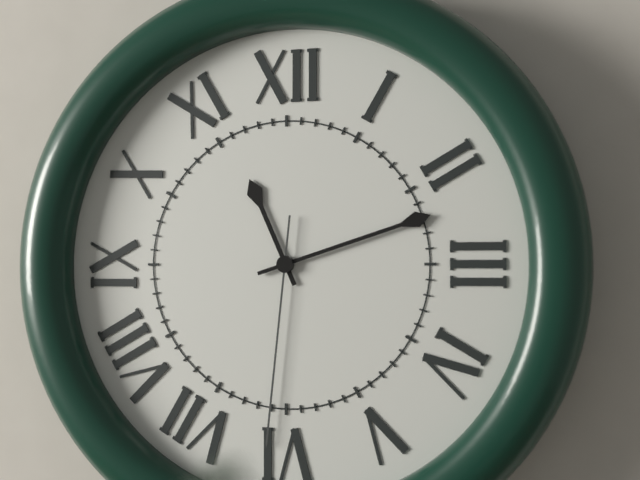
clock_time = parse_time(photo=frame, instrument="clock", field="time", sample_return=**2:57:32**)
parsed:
**11:12:31**
